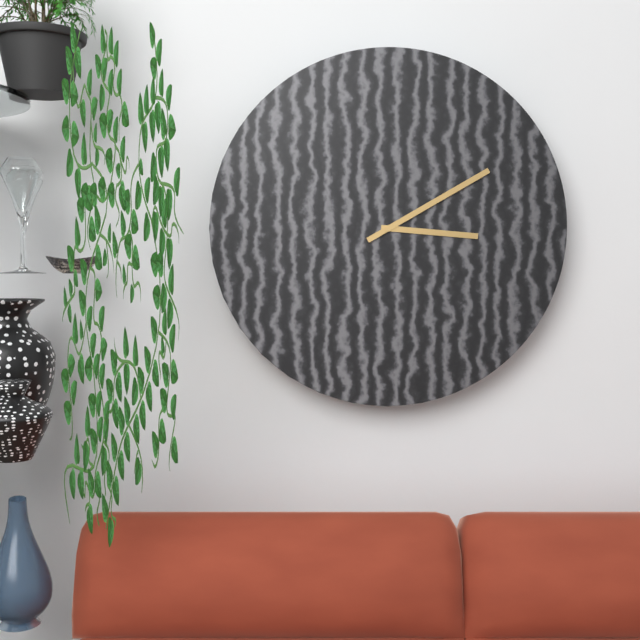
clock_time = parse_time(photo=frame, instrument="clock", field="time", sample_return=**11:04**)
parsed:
**3:10**
